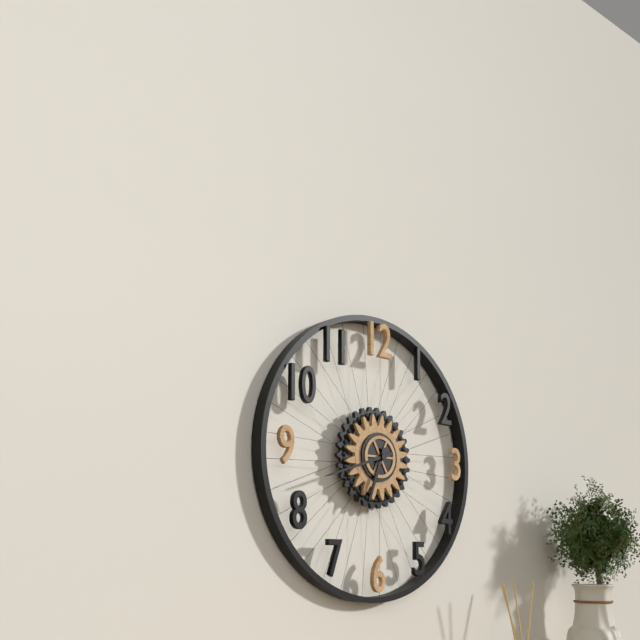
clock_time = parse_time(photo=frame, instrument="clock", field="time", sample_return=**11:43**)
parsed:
**6:42**
